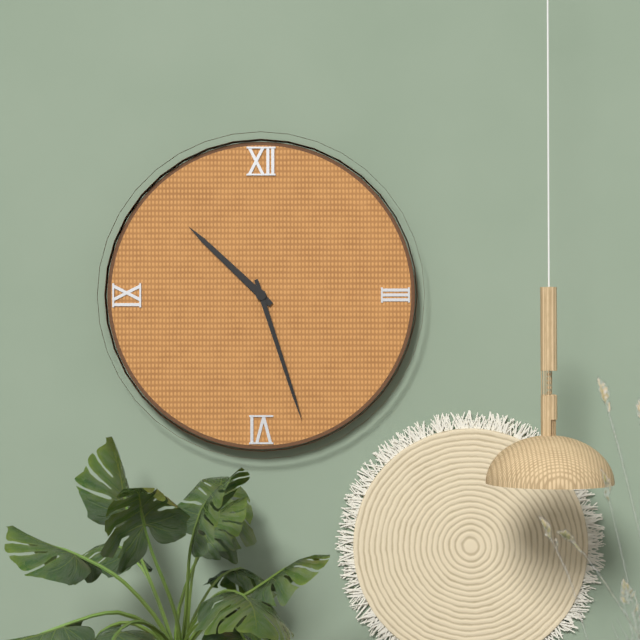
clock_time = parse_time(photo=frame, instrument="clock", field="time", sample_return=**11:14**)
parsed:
**10:27**
